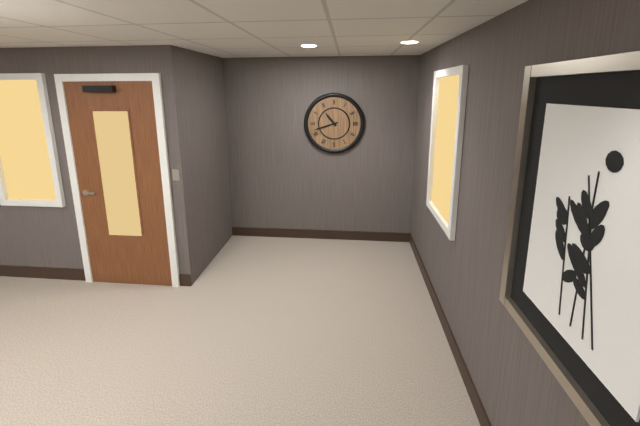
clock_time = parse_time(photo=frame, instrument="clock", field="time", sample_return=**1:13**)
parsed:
**10:42**
